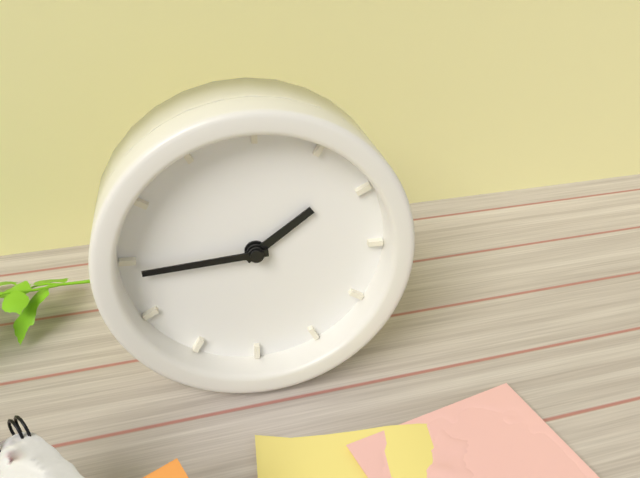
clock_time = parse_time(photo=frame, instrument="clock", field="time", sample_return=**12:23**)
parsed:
**1:44**
